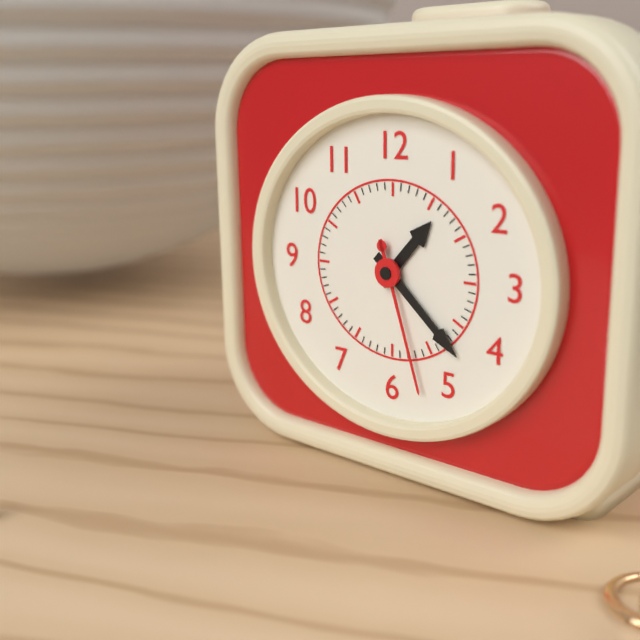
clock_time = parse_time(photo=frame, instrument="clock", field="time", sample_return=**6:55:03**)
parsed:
**1:22:27**
